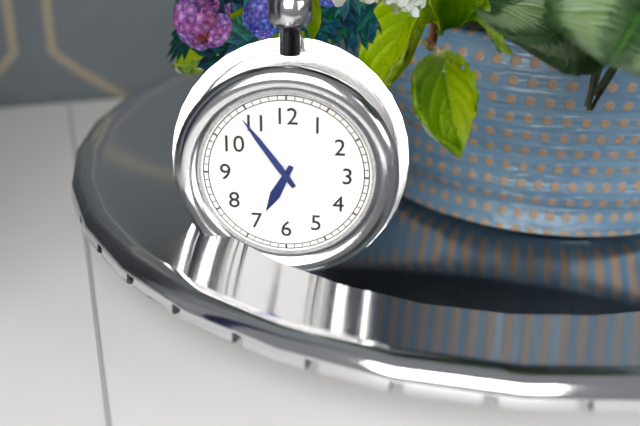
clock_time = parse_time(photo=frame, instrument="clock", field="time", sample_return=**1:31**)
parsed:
**6:54**
